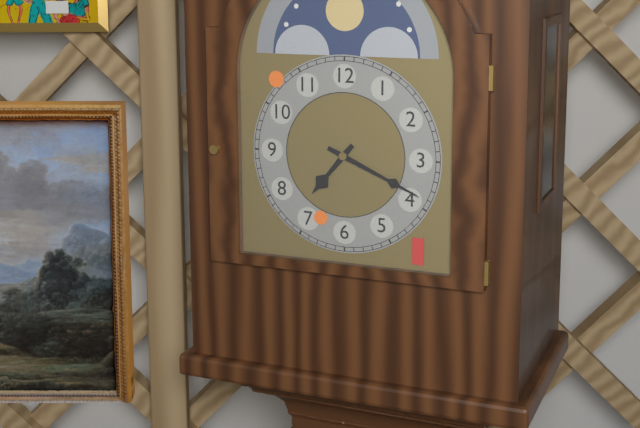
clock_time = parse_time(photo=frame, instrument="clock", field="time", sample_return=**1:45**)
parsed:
**7:19**
